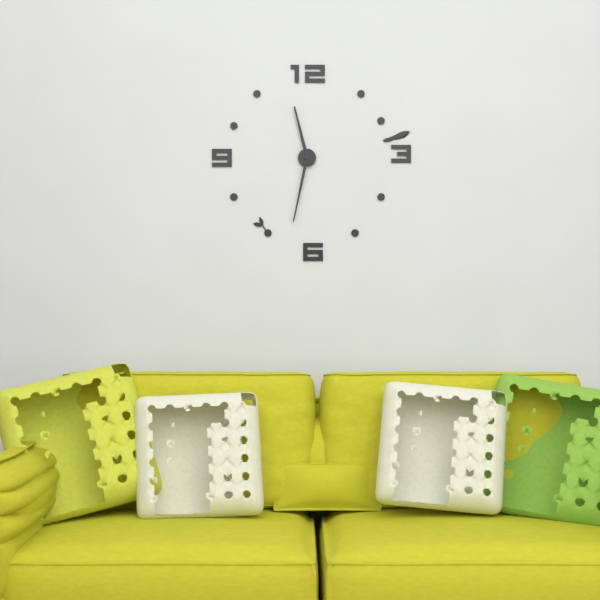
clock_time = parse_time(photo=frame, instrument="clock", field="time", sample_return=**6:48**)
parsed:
**11:32**
